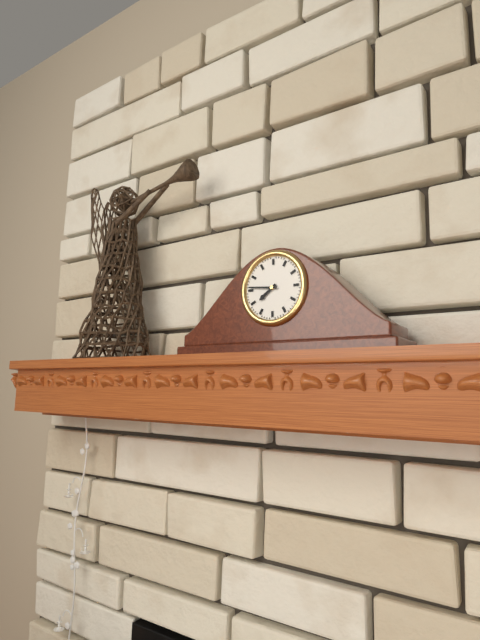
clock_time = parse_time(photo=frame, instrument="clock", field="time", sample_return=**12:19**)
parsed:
**7:46**
